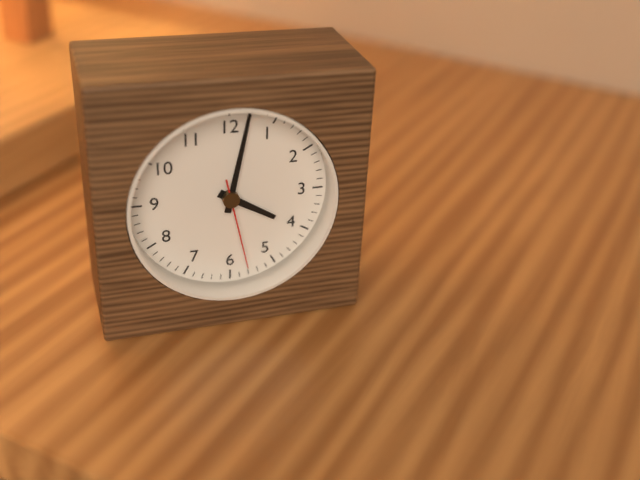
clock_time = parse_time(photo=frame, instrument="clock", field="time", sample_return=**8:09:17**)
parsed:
**4:02:28**
